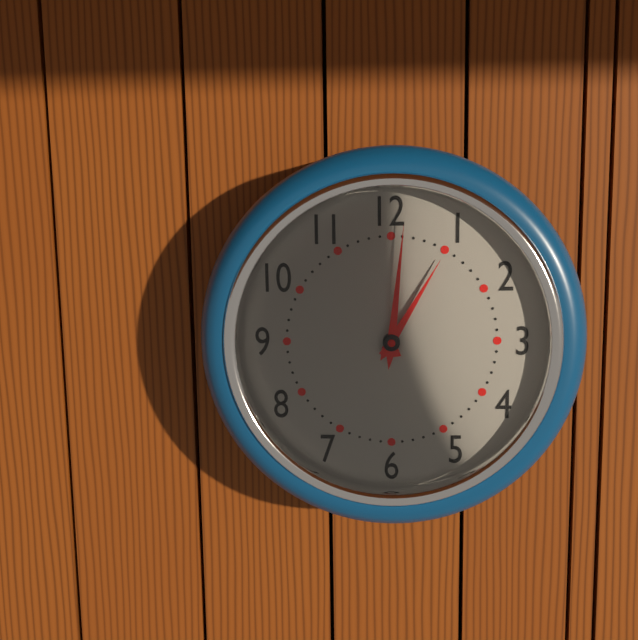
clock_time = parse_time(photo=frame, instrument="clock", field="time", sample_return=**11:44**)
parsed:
**1:01**
